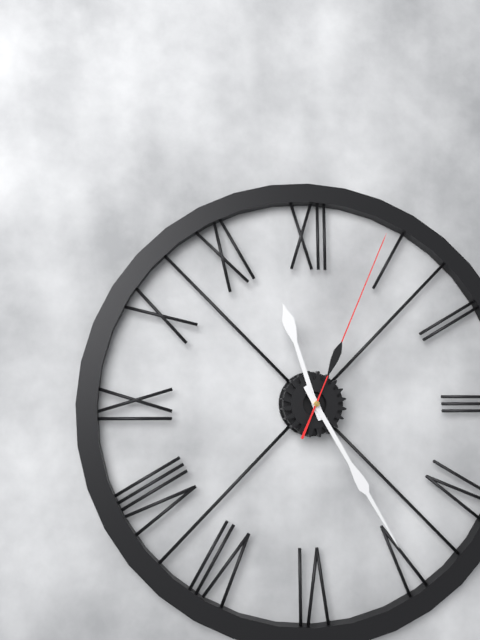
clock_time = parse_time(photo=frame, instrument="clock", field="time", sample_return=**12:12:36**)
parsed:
**11:25:04**
